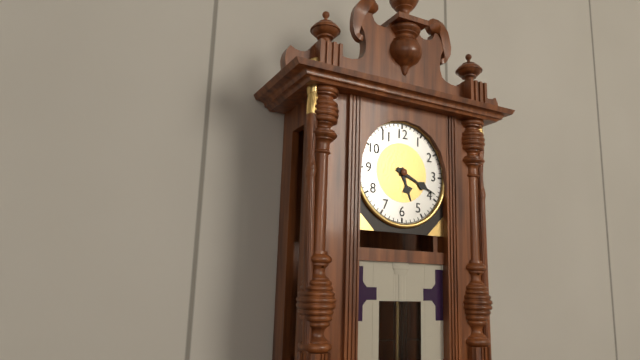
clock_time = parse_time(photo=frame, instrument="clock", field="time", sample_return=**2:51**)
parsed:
**5:19**
